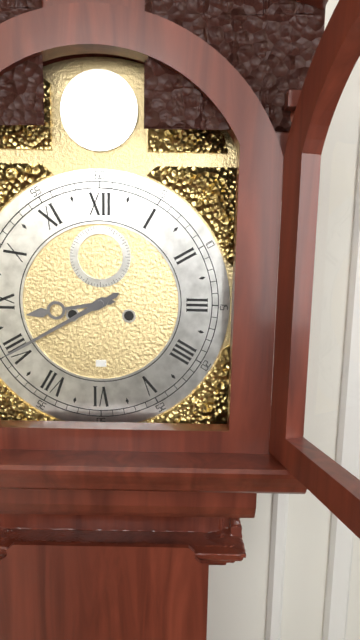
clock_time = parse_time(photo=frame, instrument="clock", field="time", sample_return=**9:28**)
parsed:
**8:40**
